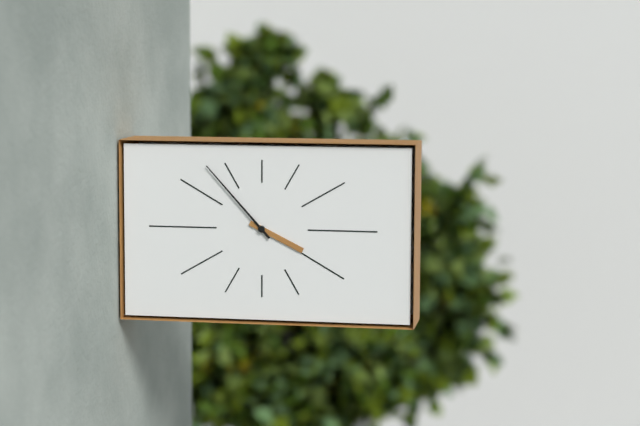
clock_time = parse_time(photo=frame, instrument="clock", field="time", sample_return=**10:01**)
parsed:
**3:53**
